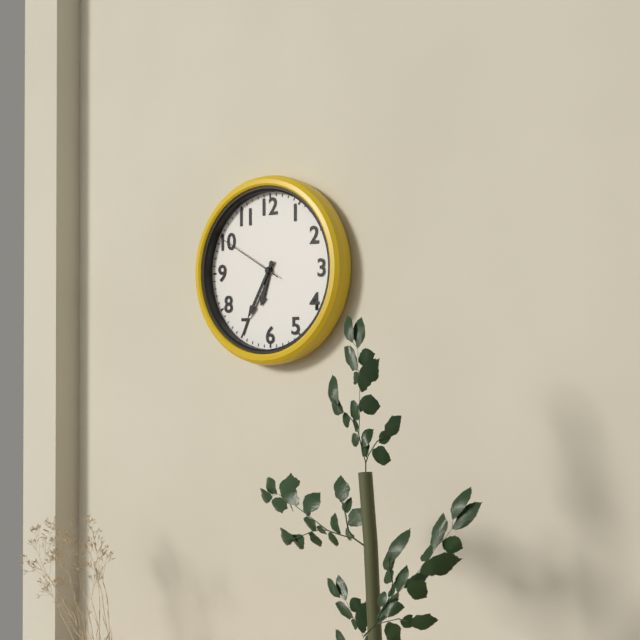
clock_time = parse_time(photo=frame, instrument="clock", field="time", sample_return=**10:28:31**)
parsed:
**6:35:50**
